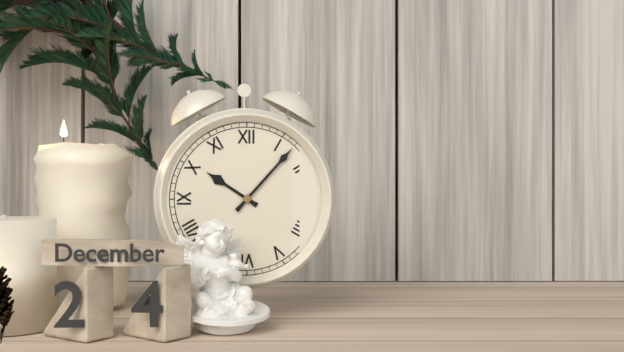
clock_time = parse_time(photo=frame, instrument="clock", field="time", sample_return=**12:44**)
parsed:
**10:07**
